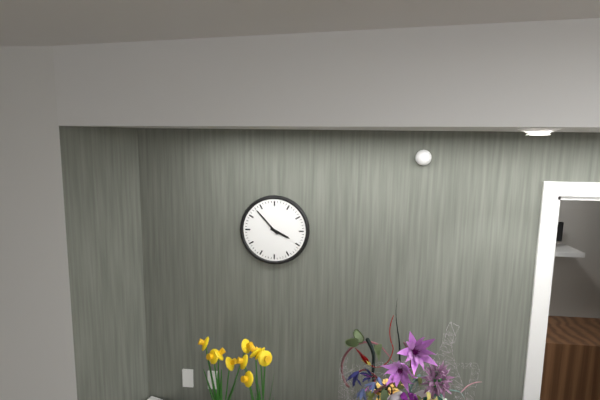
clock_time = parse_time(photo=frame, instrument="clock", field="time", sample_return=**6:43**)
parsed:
**3:53**
